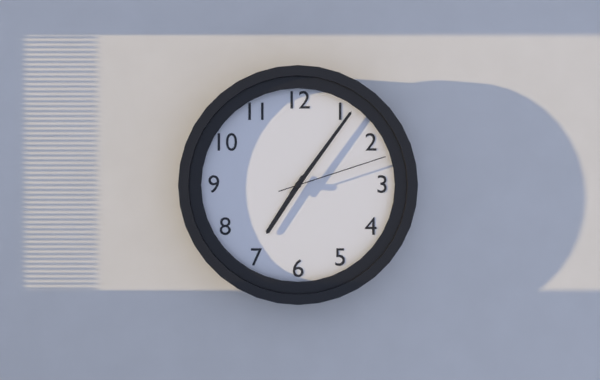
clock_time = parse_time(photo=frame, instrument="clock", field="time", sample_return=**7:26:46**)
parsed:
**7:06:12**
